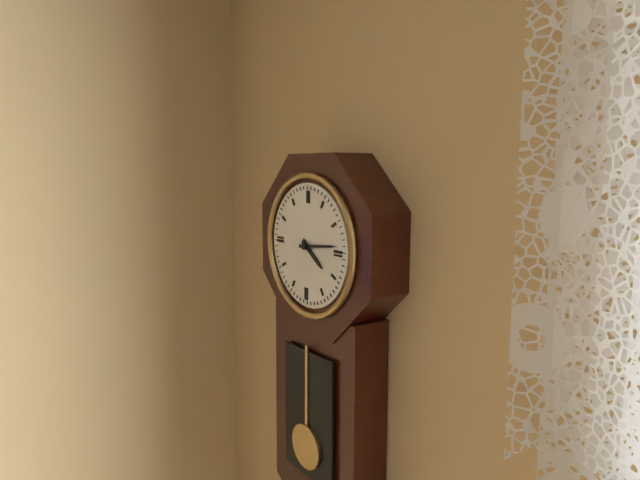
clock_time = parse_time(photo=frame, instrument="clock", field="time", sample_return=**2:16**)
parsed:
**4:14**
